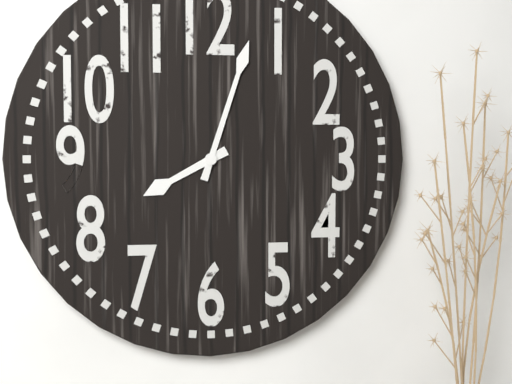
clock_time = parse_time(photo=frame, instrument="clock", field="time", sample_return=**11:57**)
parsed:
**8:03**
